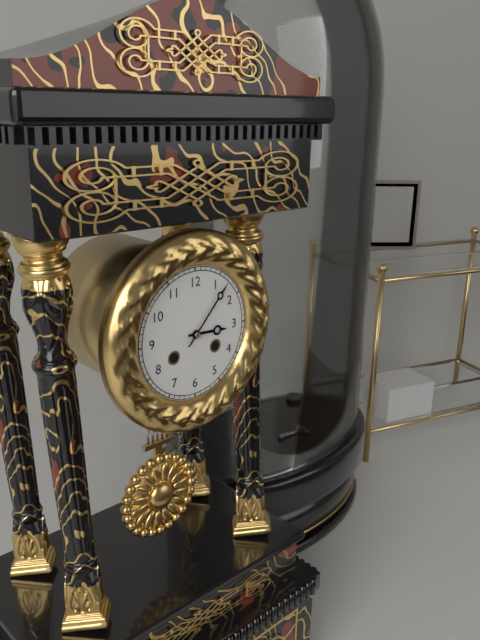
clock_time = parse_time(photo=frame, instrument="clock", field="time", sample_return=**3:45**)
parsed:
**3:07**
